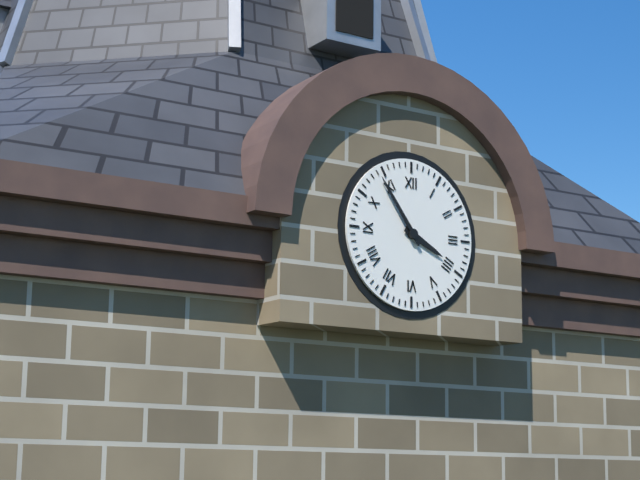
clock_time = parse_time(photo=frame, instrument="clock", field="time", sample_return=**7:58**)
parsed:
**3:54**
